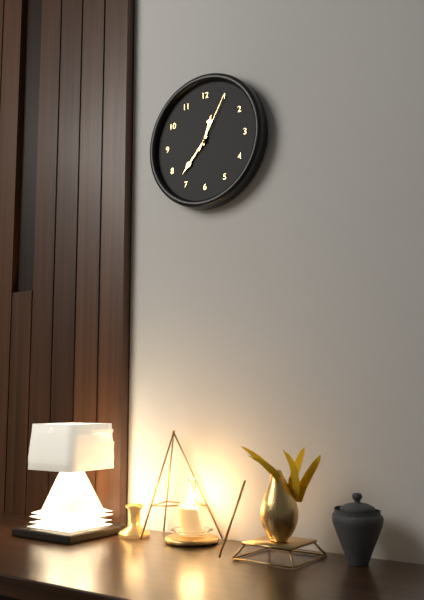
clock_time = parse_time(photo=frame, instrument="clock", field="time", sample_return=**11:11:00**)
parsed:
**12:37:05**
